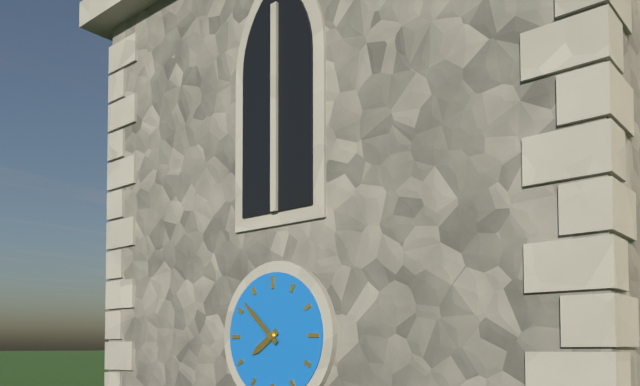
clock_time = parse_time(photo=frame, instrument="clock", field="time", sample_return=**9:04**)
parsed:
**7:52**
